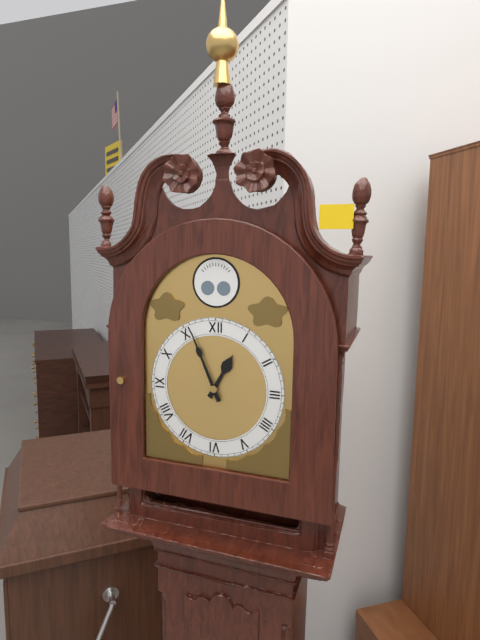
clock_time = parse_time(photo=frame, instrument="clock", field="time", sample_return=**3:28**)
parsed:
**12:56**
